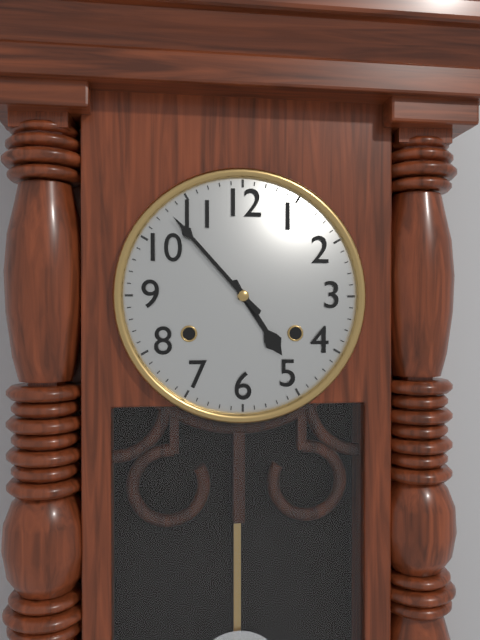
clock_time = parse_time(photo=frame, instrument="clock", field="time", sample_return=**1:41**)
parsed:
**4:53**
